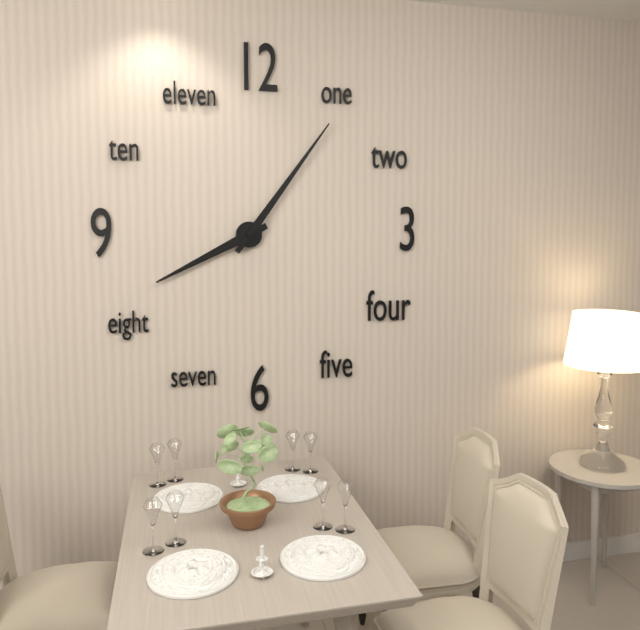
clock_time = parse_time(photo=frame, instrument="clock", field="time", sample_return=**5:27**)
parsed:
**8:06**
